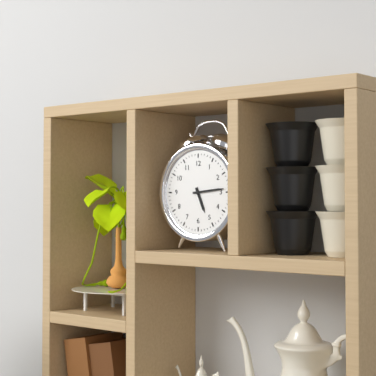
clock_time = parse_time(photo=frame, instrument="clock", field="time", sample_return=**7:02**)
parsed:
**5:14**
